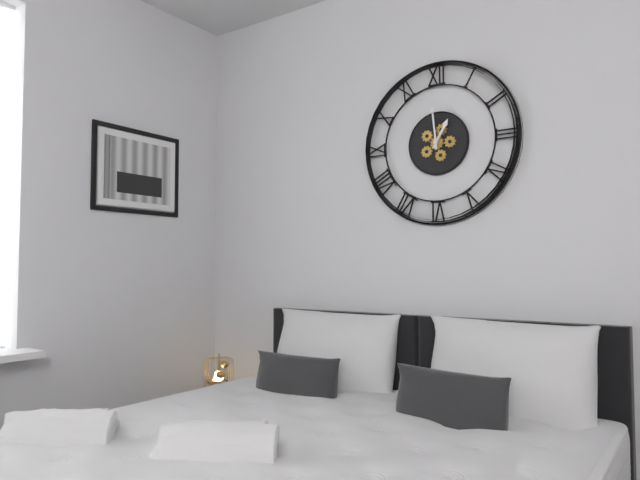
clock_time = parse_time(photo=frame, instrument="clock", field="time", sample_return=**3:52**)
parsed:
**12:59**
